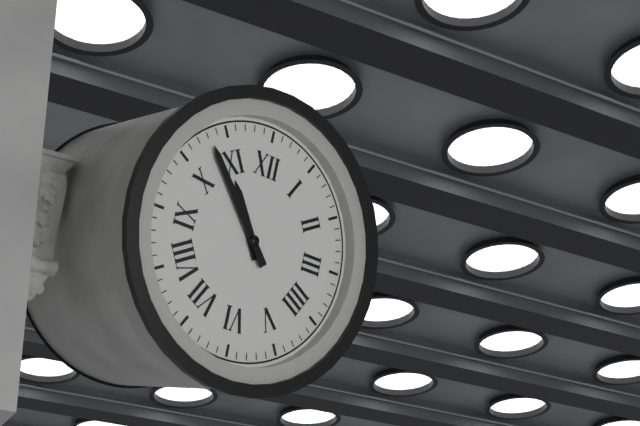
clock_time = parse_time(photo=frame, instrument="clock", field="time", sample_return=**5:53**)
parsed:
**10:53**
